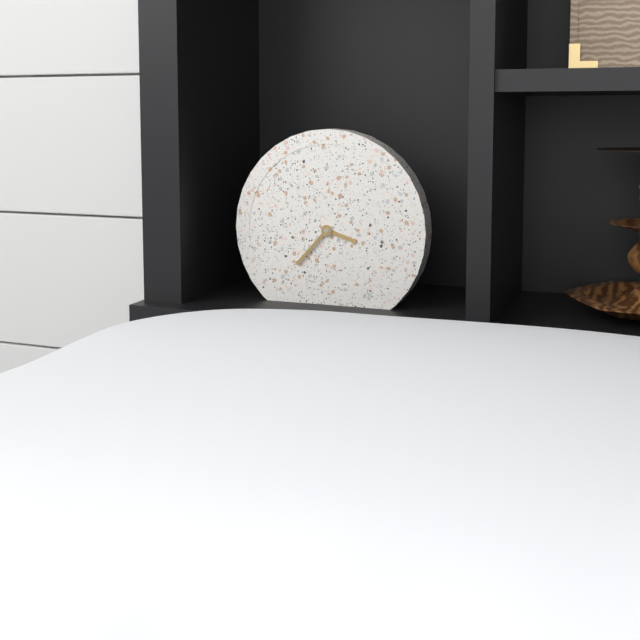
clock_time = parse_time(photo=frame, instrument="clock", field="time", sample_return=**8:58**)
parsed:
**3:37**
